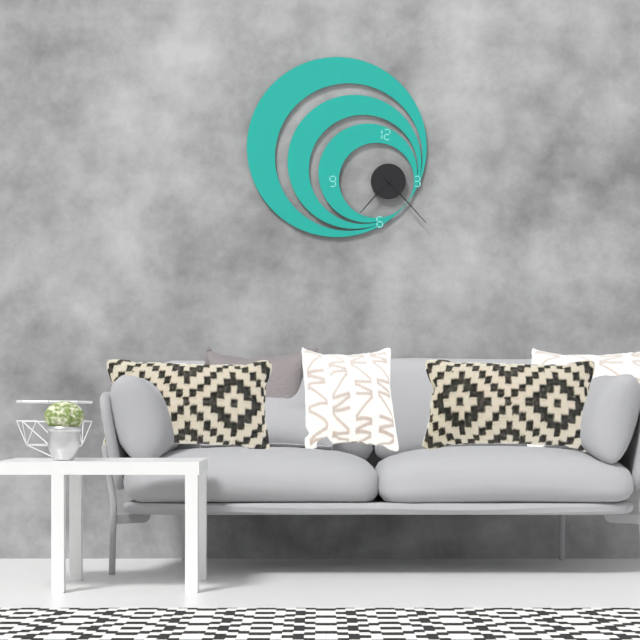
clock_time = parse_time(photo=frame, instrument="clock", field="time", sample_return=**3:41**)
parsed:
**7:23**
